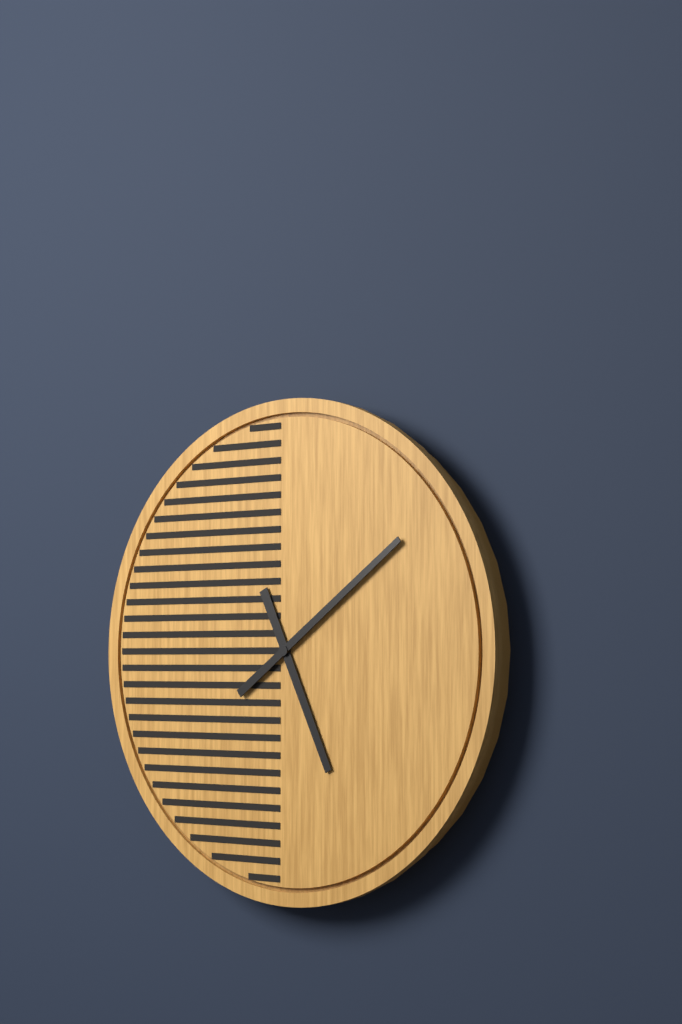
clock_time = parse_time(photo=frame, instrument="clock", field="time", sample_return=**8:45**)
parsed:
**5:09**
